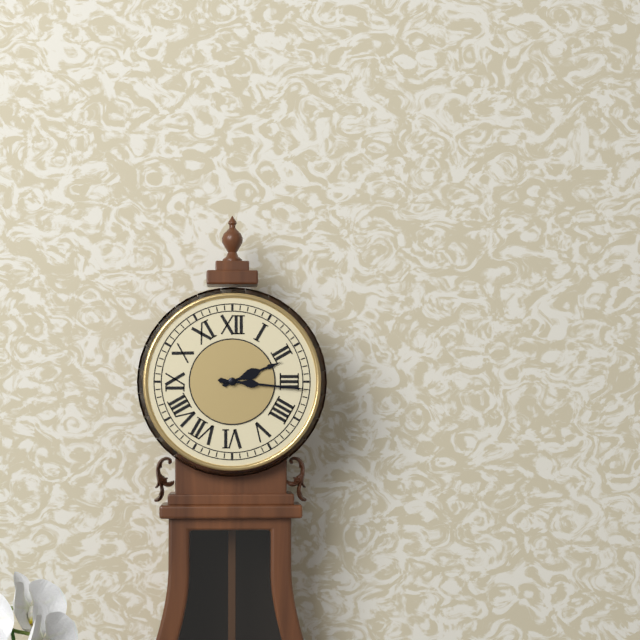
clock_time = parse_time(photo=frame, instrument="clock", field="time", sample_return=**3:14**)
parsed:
**2:16**
